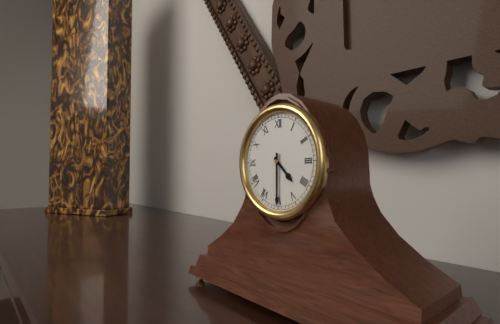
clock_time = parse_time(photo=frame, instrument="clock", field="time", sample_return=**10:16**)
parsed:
**4:30**
